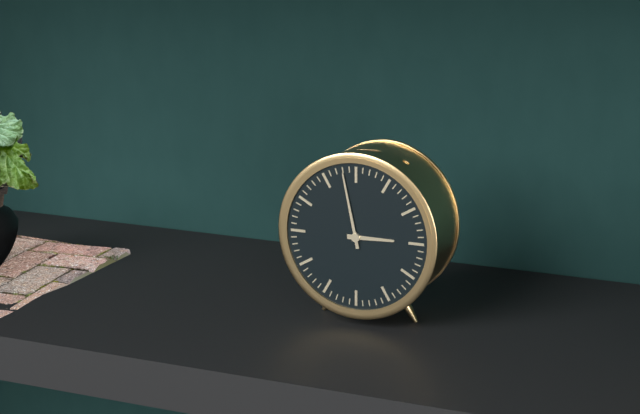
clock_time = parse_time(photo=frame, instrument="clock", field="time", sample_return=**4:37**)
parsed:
**2:58**
